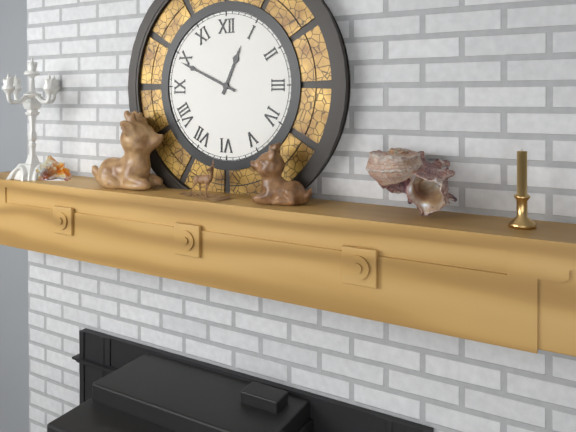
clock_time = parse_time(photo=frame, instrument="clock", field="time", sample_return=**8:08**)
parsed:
**12:49**
